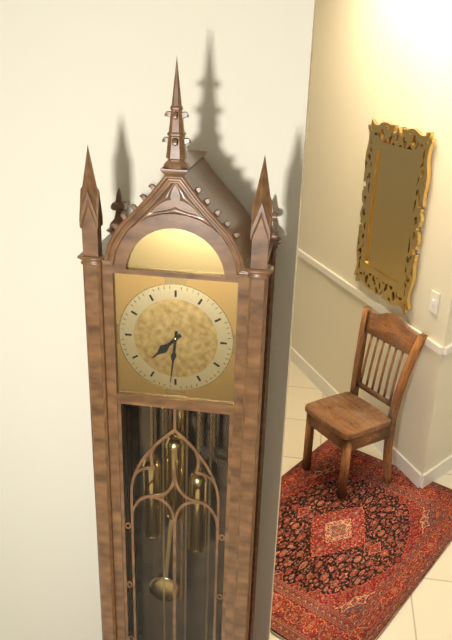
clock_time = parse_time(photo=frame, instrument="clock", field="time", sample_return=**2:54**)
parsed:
**7:31**
